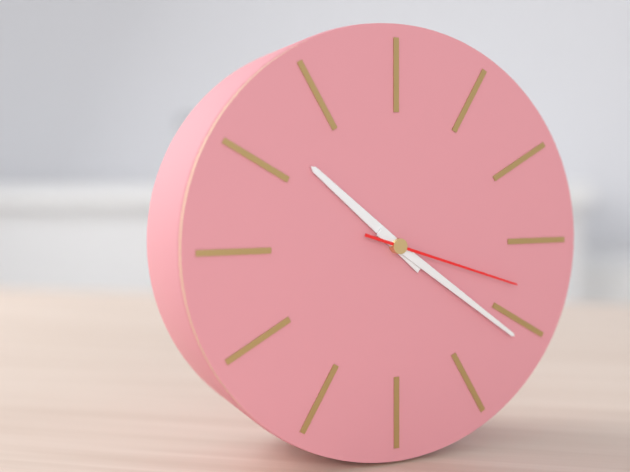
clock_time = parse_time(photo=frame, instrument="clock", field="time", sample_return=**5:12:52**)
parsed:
**10:21:18**
